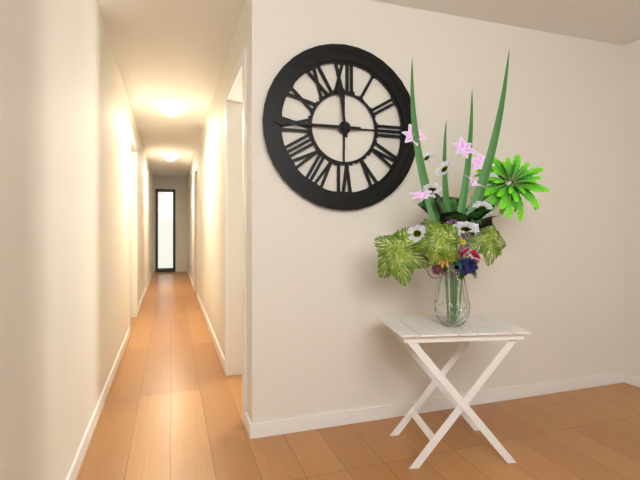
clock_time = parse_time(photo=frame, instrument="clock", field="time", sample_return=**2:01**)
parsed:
**11:45**
